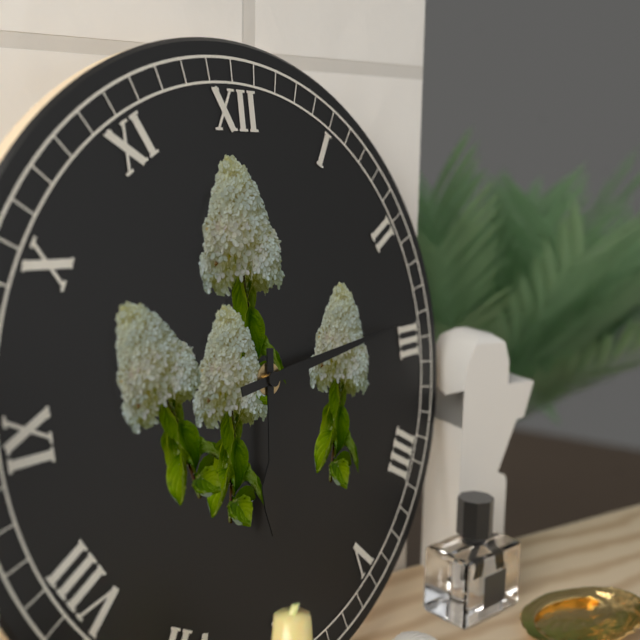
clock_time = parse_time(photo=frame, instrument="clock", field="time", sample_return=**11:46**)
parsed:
**6:14**
